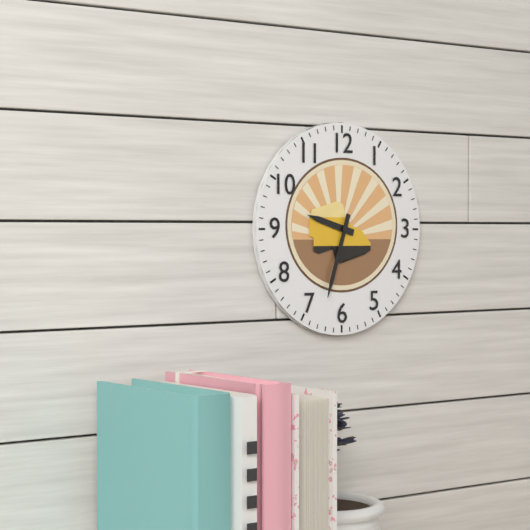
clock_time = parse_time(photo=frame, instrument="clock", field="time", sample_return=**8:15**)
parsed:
**9:33**
